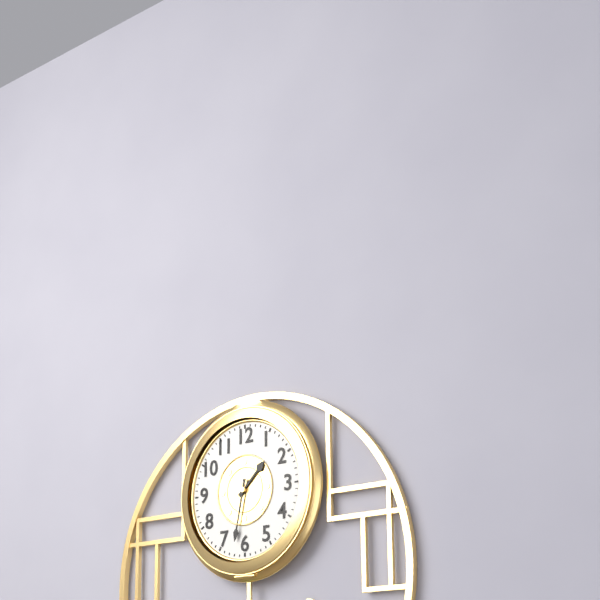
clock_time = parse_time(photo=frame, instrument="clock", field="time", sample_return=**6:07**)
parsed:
**1:32**
